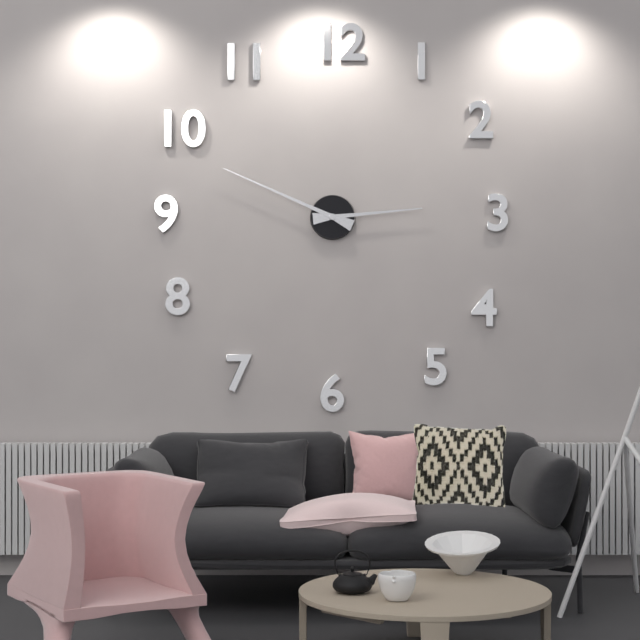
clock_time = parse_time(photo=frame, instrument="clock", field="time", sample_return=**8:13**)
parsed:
**2:49**
